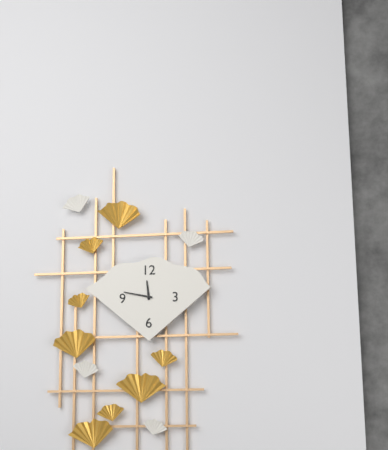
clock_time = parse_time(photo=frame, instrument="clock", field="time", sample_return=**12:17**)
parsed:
**11:47**
